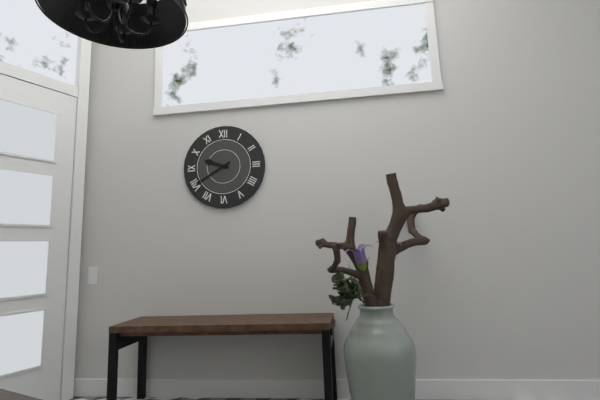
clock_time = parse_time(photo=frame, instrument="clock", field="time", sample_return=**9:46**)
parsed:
**9:40**
